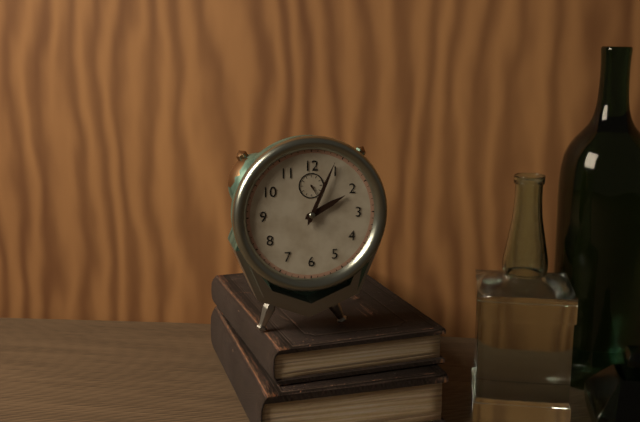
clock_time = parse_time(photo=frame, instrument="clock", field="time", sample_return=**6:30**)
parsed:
**2:04**
